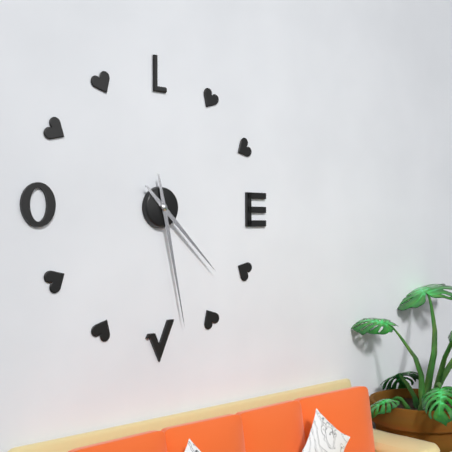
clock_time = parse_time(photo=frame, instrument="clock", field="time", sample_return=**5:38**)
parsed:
**4:28**
